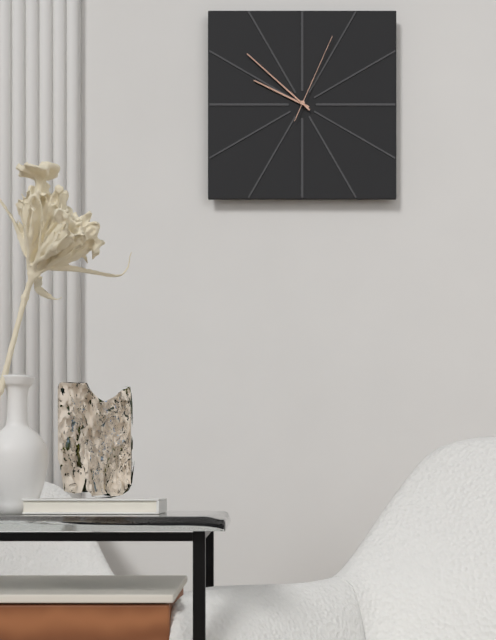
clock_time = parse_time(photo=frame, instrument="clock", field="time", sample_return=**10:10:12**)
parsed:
**9:52:04**
